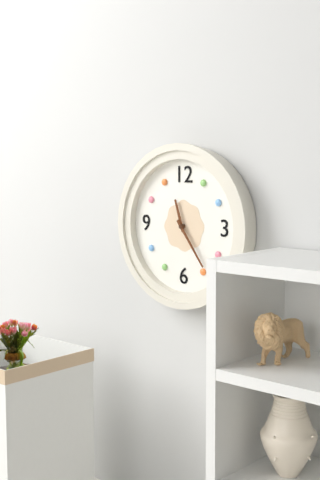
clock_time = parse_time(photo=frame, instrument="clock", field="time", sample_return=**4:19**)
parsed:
**11:24**
